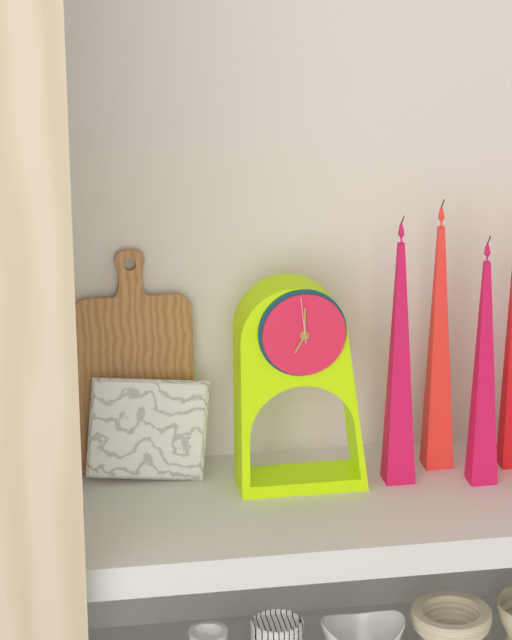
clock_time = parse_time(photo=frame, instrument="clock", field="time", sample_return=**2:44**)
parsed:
**7:00**
